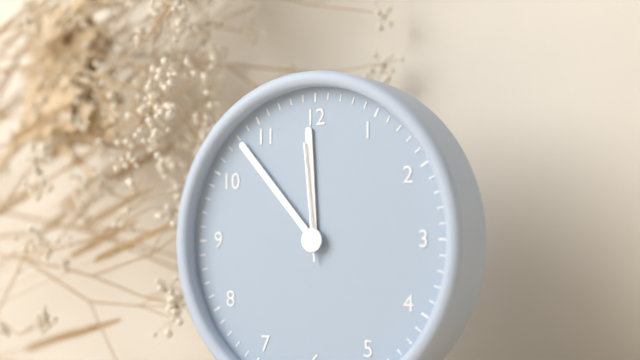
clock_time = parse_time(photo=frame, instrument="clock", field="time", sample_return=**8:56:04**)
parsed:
**11:53:59**
